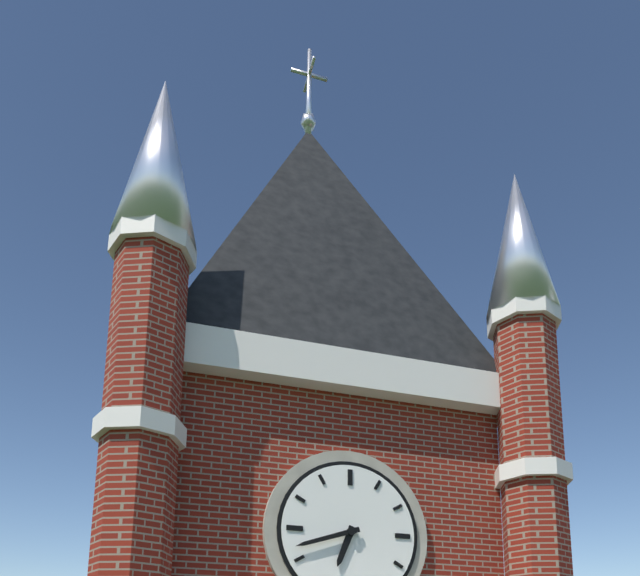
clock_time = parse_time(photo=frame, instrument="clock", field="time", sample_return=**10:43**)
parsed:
**6:42**
